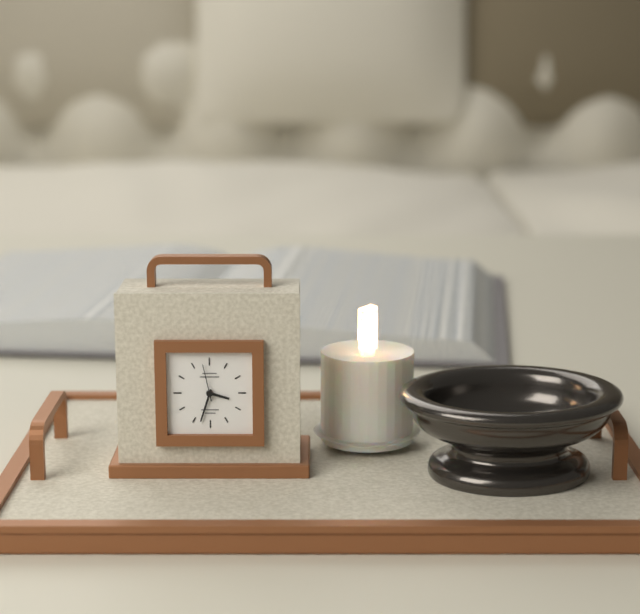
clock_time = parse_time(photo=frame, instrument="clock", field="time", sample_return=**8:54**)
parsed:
**3:33**
